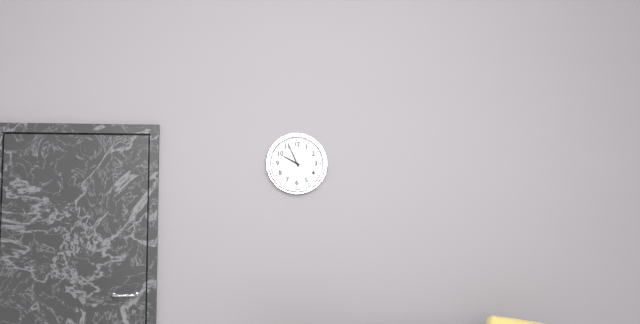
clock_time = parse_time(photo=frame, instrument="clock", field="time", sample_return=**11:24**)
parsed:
**9:56**
